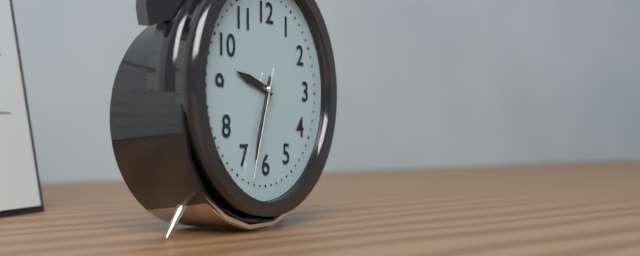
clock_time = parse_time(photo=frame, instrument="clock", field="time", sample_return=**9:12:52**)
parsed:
**9:33:33**
